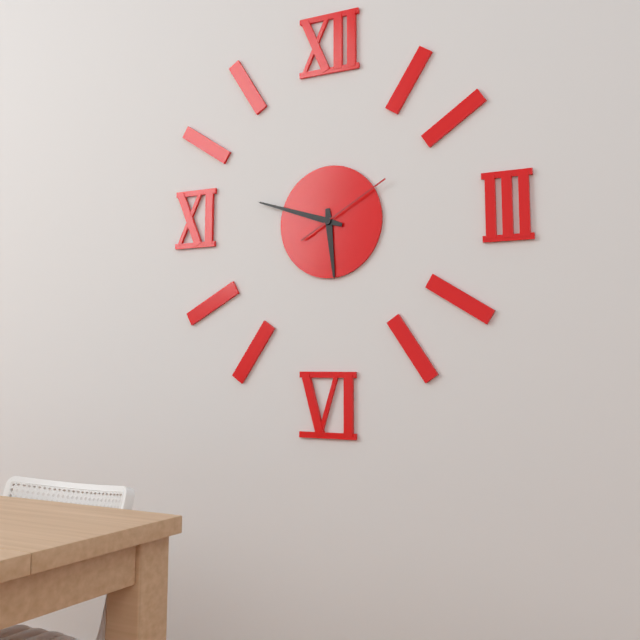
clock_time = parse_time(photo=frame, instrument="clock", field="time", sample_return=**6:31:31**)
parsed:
**5:48:10**
